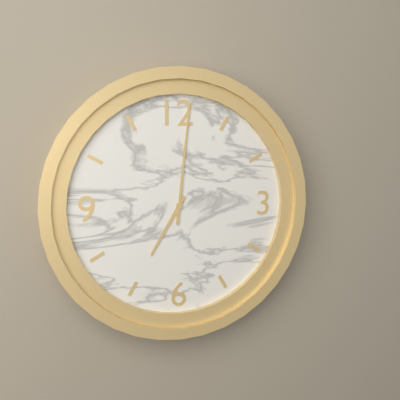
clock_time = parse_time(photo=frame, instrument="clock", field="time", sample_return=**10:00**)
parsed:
**7:01**
